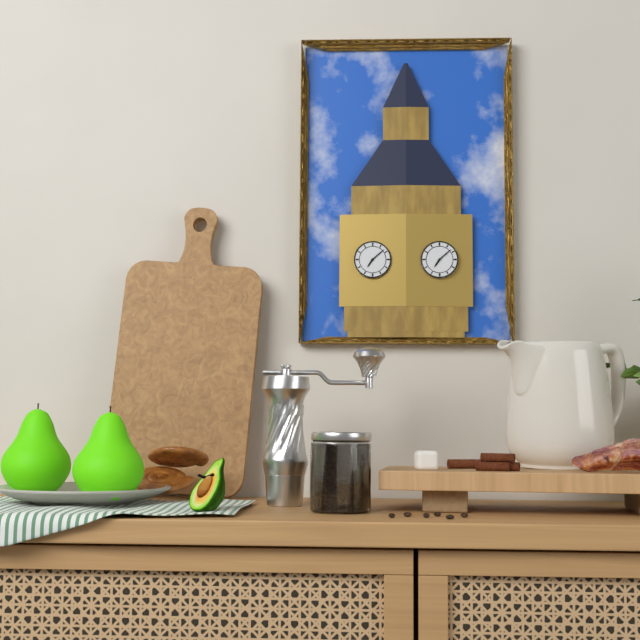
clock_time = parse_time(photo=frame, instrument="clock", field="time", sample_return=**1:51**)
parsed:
**7:08**
